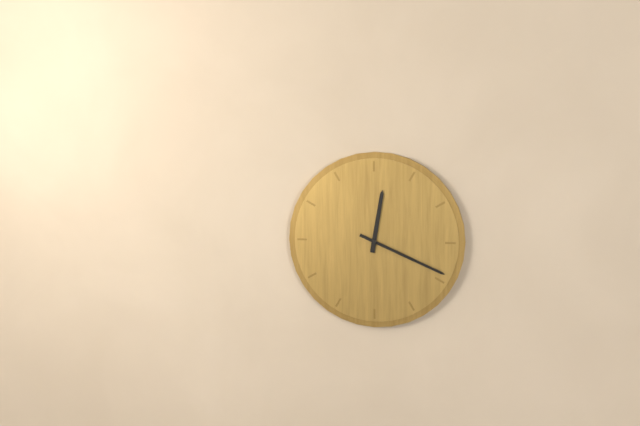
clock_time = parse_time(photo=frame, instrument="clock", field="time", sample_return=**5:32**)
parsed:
**12:19**
